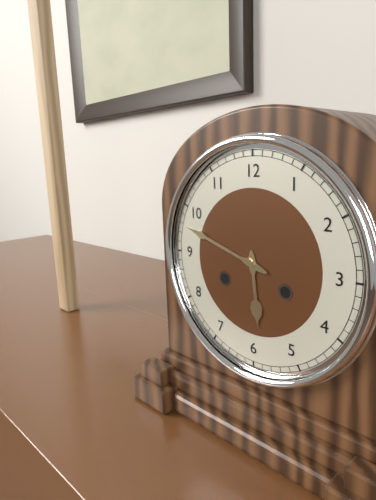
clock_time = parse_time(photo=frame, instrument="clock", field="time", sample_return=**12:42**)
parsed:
**5:48**
